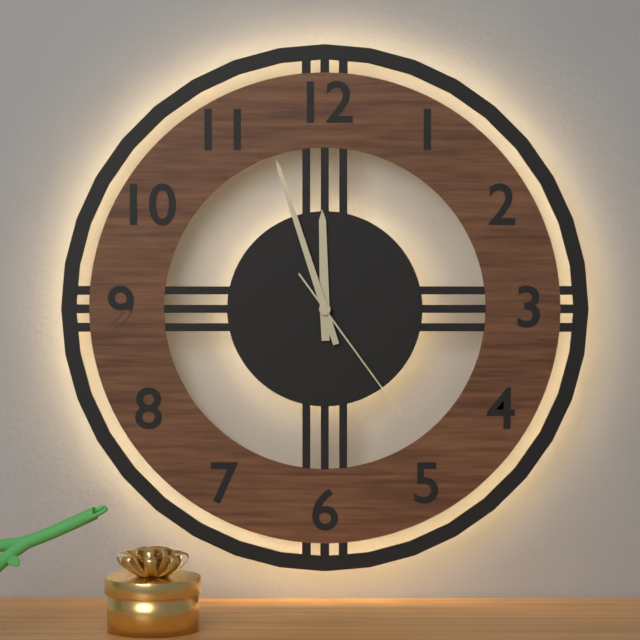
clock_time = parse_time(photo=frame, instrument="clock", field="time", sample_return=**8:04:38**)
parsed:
**11:57:24**
